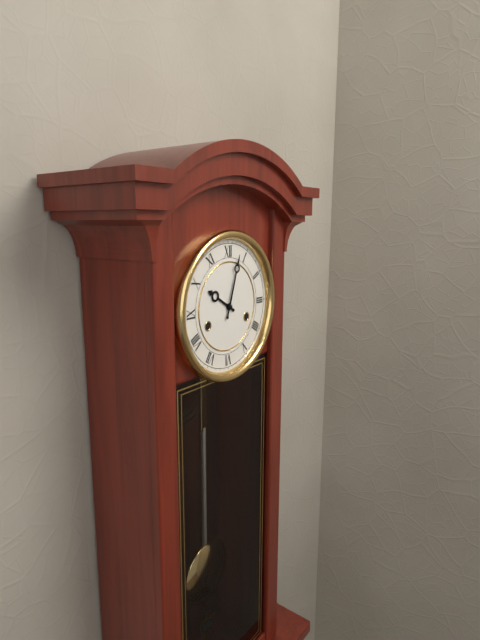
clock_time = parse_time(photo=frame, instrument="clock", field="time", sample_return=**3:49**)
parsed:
**10:03**
